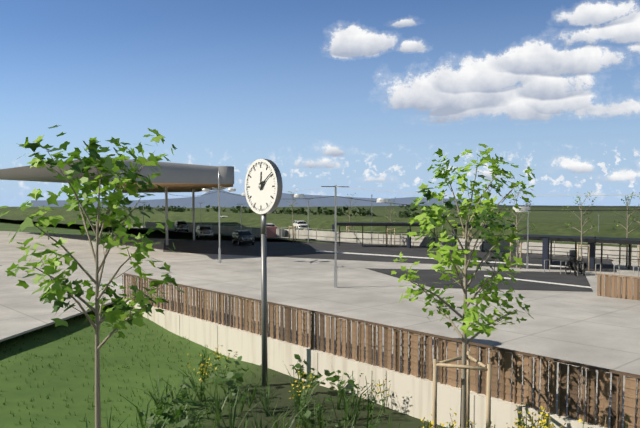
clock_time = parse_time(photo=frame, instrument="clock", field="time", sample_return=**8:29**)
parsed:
**12:09**
